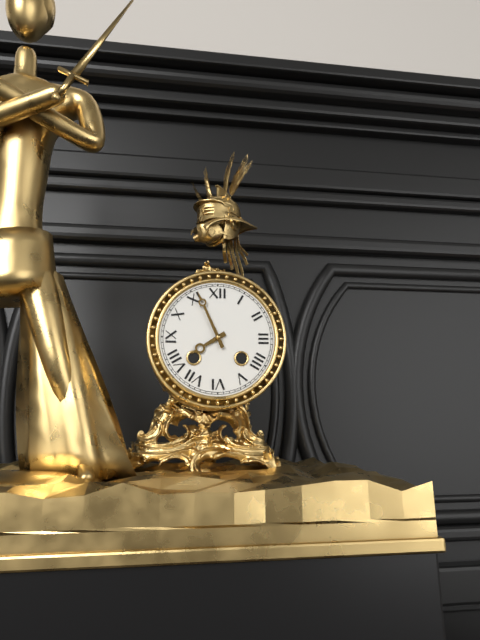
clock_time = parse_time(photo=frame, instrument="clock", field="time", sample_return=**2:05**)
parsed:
**7:56**
